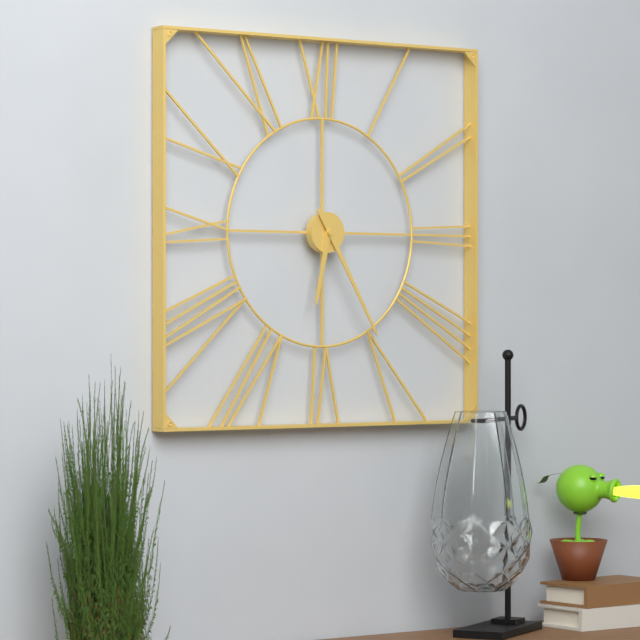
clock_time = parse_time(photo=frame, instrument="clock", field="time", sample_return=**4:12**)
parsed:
**6:25**
